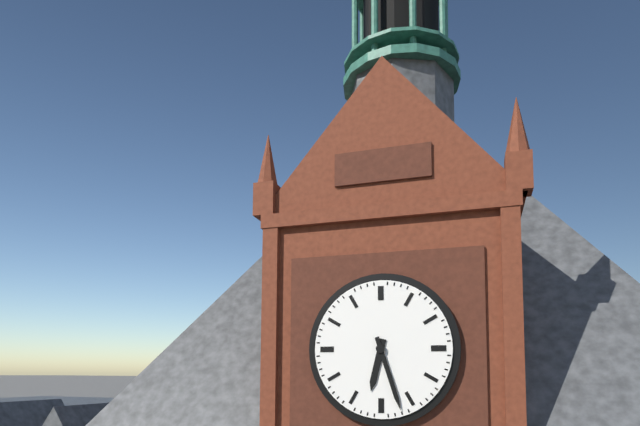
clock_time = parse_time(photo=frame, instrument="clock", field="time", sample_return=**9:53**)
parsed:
**6:27**
